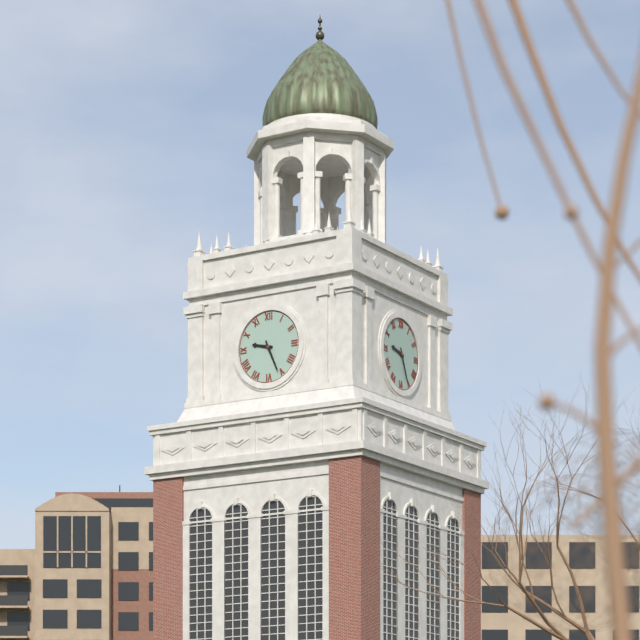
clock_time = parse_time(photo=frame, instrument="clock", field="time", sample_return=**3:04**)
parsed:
**9:26**
